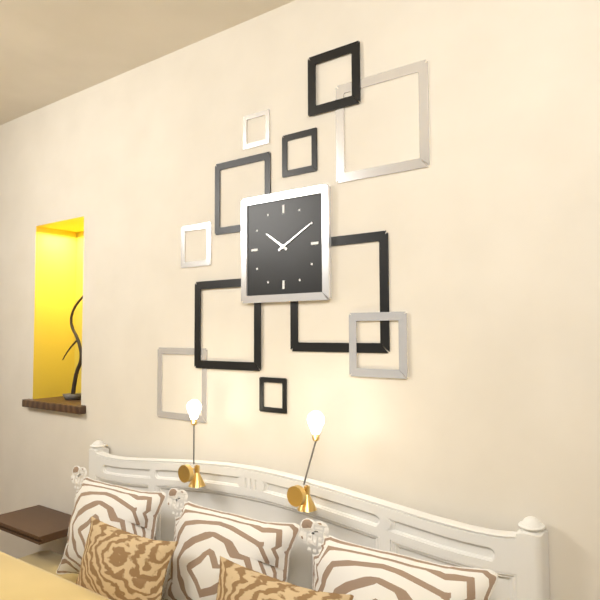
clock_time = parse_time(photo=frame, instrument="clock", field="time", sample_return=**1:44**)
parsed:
**10:10**
